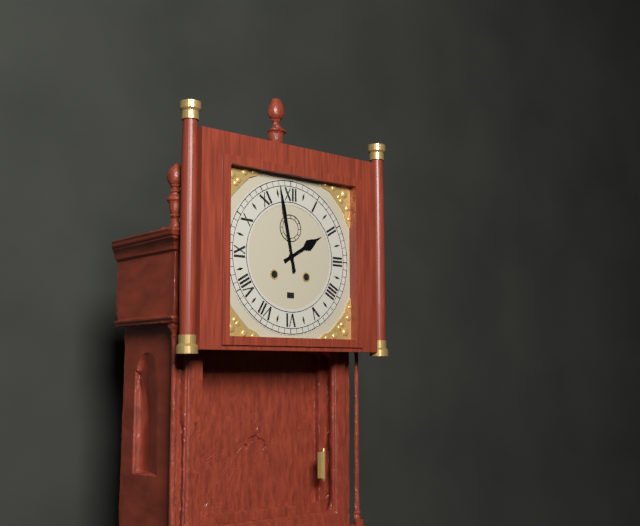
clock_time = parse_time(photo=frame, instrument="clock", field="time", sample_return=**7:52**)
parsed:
**1:58**
